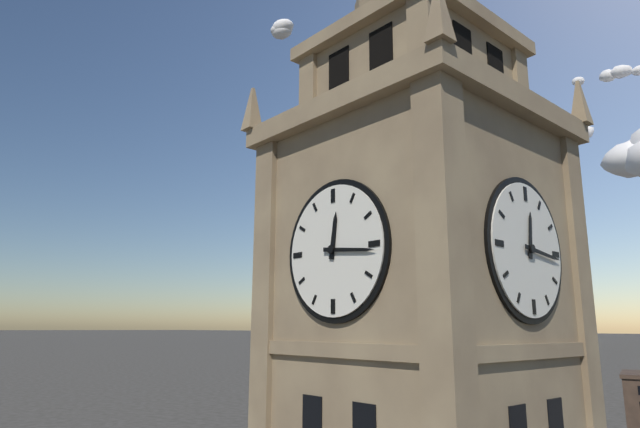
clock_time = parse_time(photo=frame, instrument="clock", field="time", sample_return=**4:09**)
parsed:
**12:16**
